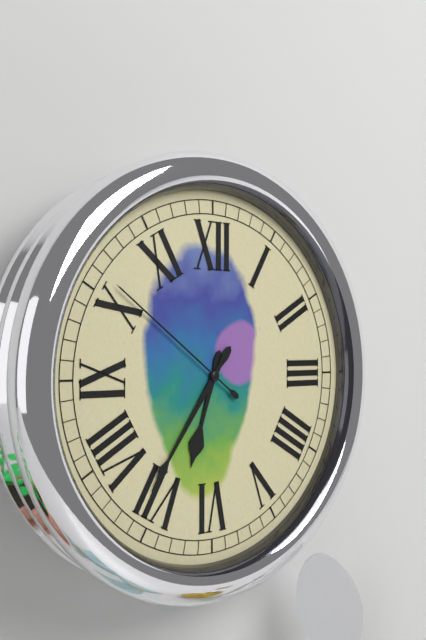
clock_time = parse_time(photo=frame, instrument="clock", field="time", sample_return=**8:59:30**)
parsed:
**6:36:51**
